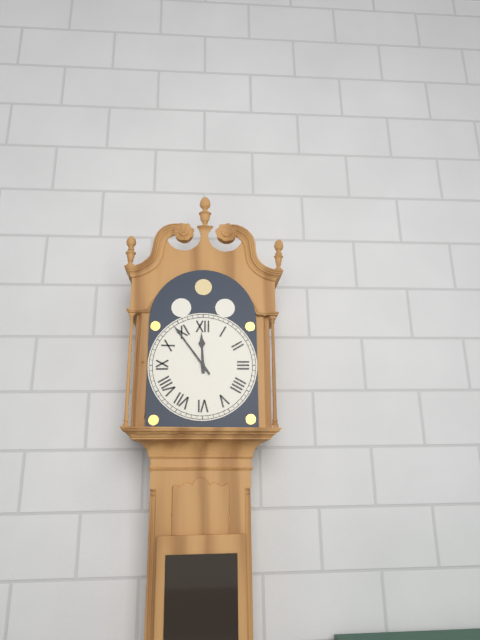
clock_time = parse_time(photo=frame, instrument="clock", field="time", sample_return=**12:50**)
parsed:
**11:54**
